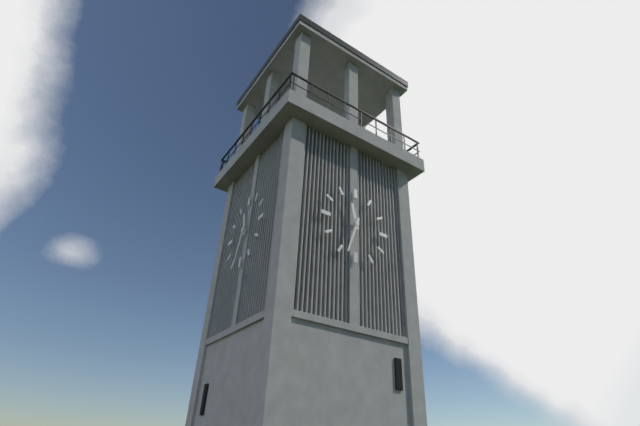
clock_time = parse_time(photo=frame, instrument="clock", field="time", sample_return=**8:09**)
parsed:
**11:33**
